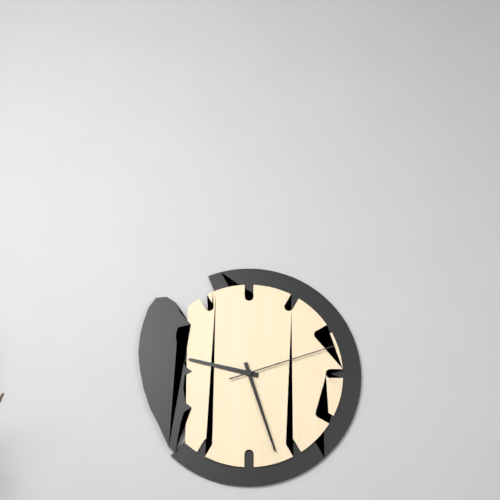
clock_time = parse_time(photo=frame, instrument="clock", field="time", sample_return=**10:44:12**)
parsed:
**9:27:12**
